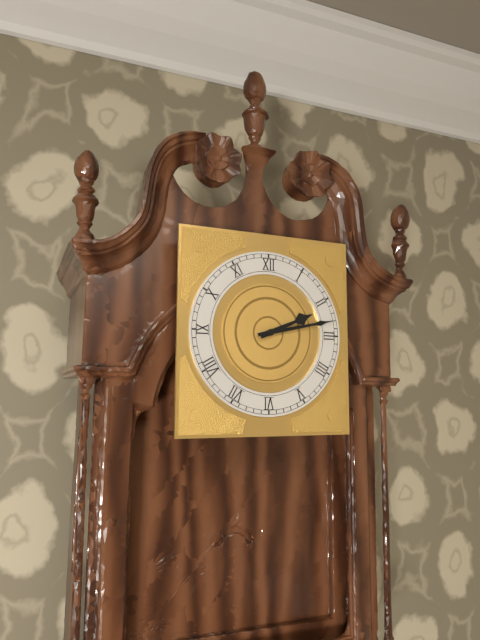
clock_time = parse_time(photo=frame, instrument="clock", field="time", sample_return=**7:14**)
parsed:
**2:13**
